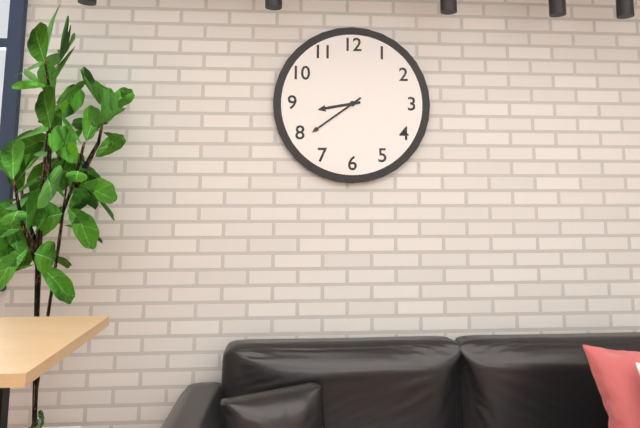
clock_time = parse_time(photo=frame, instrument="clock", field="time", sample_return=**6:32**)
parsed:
**8:39**
